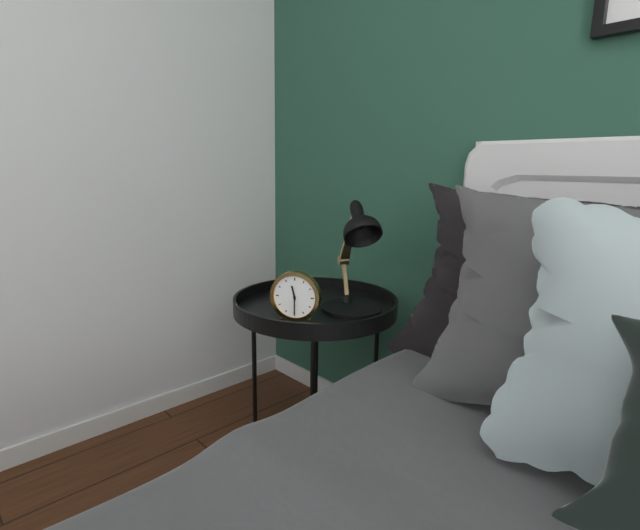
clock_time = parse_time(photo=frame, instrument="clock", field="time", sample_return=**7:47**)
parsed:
**11:30**
